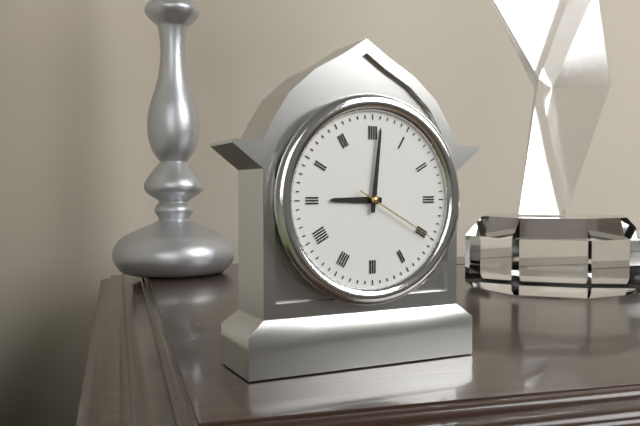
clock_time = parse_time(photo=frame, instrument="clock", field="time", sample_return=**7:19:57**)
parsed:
**9:01:20**
